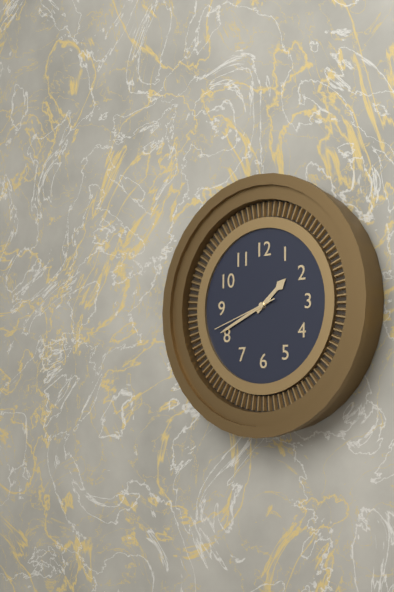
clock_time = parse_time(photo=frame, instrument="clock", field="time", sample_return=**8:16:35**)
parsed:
**1:41:42**
